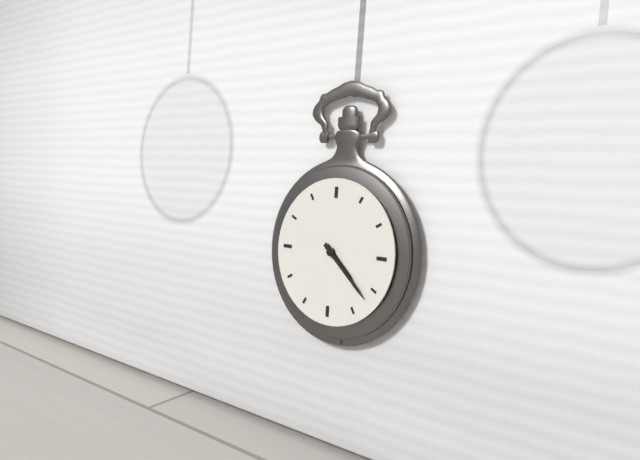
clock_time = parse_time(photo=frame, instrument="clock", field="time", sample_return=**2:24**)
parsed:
**4:22**
